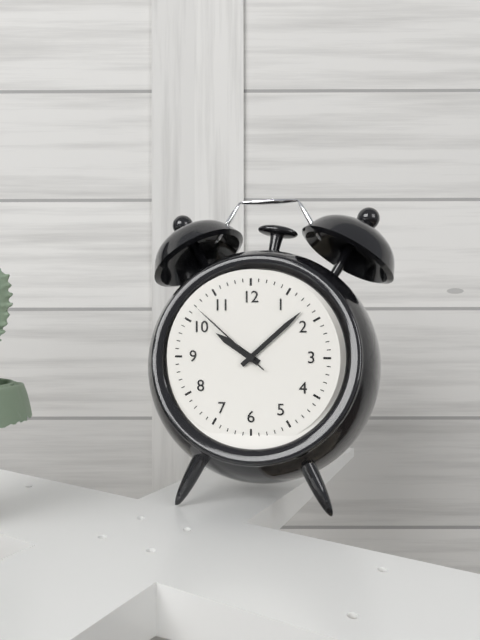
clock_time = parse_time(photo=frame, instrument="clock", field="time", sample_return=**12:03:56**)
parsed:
**10:08:52**
